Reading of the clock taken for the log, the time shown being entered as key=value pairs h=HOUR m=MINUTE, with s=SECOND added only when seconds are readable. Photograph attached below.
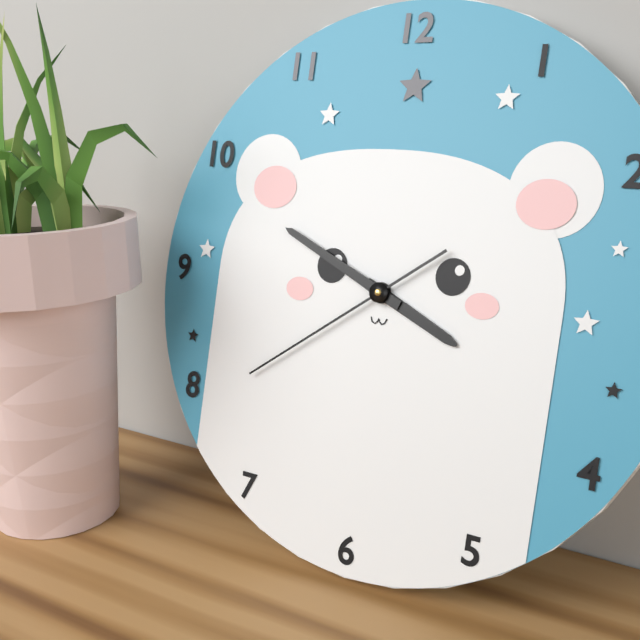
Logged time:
h=3 m=49 s=39
